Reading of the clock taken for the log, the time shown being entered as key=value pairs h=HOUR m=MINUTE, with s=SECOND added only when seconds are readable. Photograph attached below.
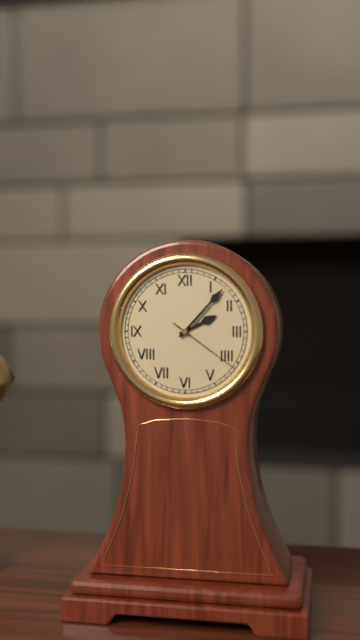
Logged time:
h=2 m=7 s=21
